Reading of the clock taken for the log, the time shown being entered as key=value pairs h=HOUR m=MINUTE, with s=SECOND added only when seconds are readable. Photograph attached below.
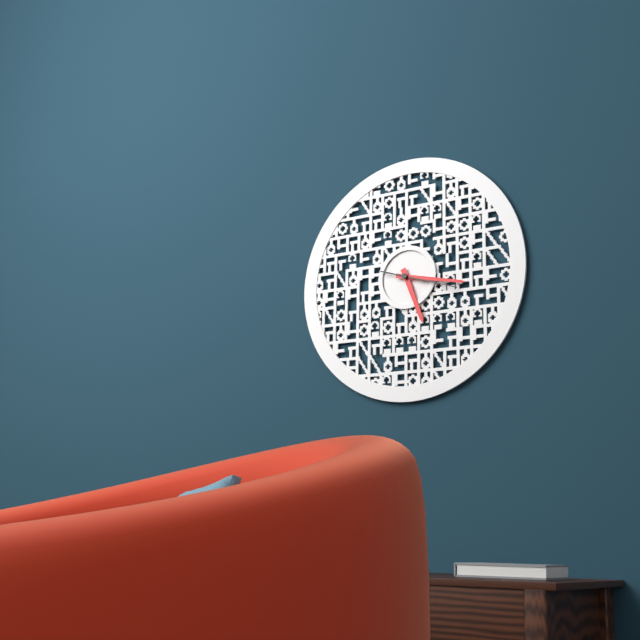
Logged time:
h=5 m=17 s=18
